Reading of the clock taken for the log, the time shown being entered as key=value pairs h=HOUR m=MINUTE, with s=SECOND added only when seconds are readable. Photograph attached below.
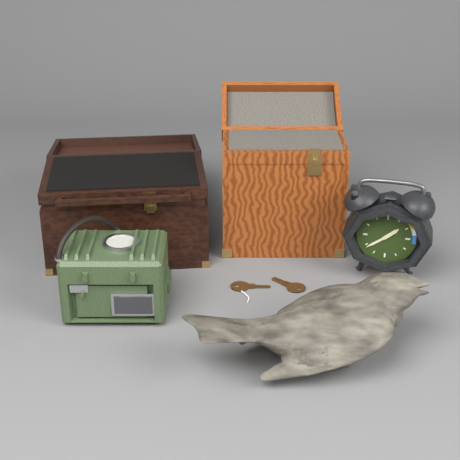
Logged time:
h=1 m=39
